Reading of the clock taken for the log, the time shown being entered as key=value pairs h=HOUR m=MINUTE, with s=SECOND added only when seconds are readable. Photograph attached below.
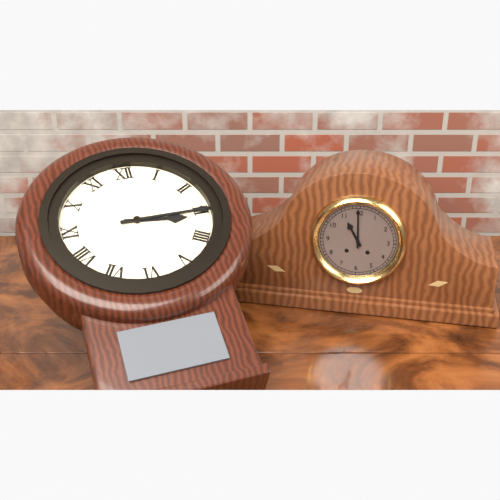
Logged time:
h=3 m=15
